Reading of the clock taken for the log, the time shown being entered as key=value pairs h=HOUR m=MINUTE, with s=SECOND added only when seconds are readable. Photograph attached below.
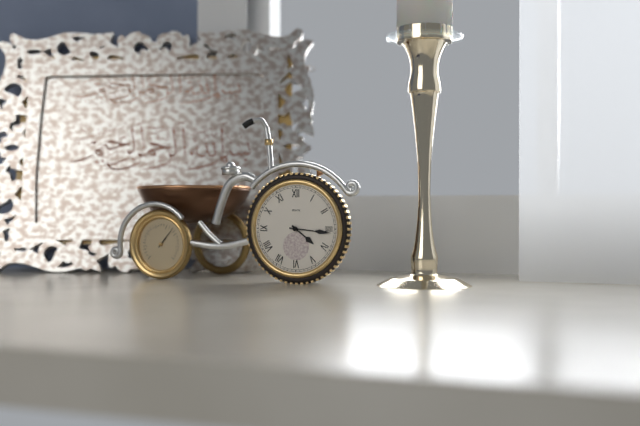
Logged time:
h=4 m=16
